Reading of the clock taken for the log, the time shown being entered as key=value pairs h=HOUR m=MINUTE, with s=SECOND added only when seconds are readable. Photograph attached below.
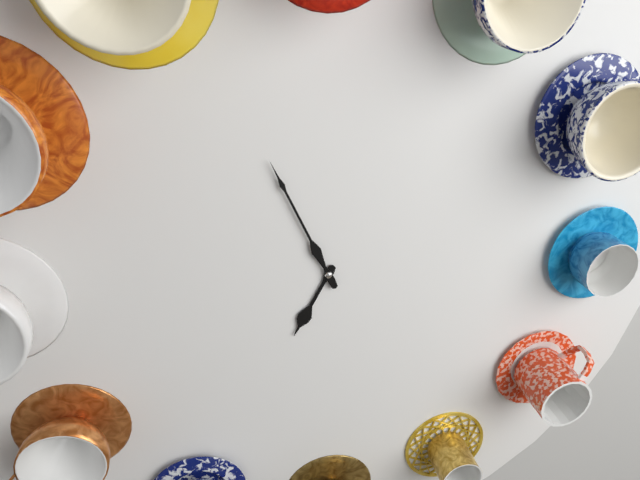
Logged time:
h=6 m=56
